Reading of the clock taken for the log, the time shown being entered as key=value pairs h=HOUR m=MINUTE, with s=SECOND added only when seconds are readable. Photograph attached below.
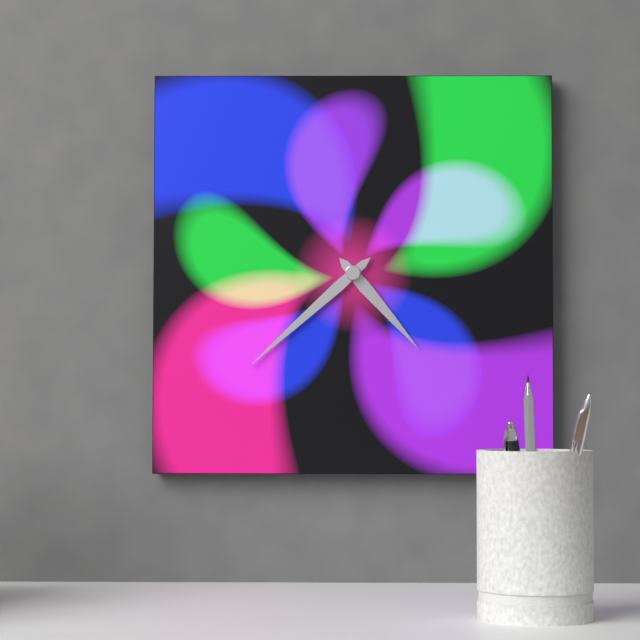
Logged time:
h=4 m=38
